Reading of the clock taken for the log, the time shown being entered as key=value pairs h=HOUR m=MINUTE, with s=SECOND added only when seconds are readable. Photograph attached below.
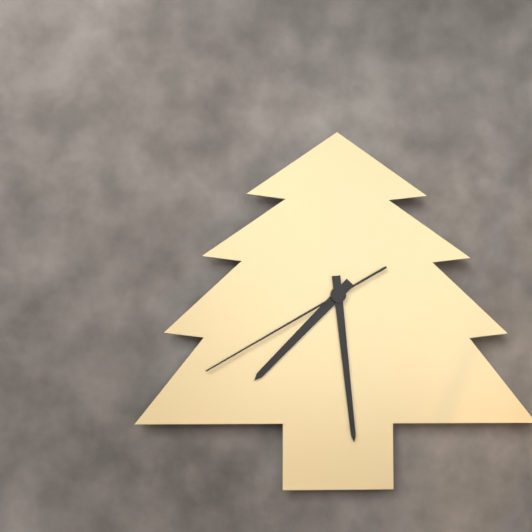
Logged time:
h=7 m=29 s=40
